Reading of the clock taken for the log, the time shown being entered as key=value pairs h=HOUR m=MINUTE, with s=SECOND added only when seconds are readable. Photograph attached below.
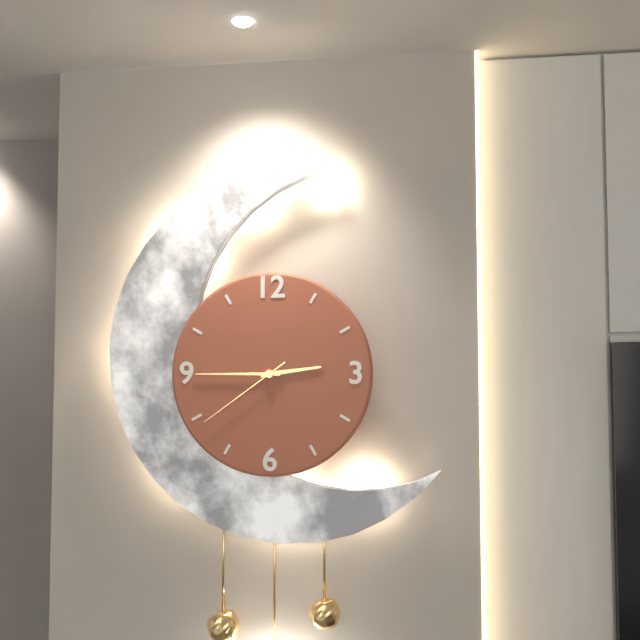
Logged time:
h=2 m=45 s=39
